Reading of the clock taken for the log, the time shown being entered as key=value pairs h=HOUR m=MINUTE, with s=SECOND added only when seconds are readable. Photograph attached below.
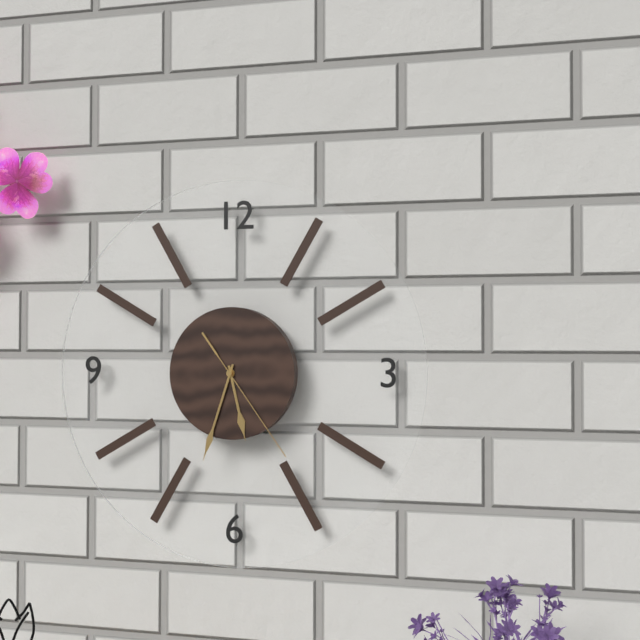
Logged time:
h=5 m=33 s=24
